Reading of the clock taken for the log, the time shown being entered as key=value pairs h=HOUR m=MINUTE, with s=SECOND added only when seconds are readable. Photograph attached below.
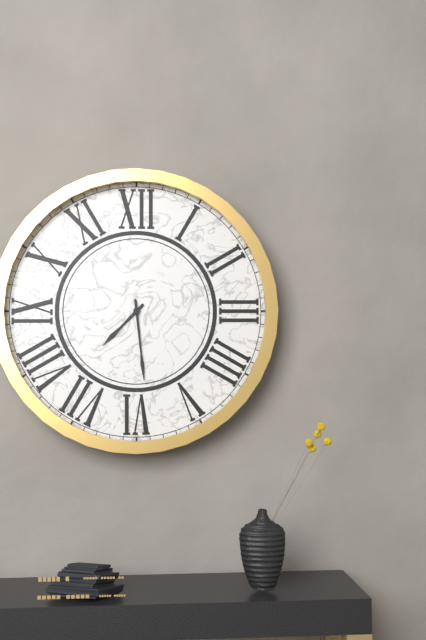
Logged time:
h=7 m=29
